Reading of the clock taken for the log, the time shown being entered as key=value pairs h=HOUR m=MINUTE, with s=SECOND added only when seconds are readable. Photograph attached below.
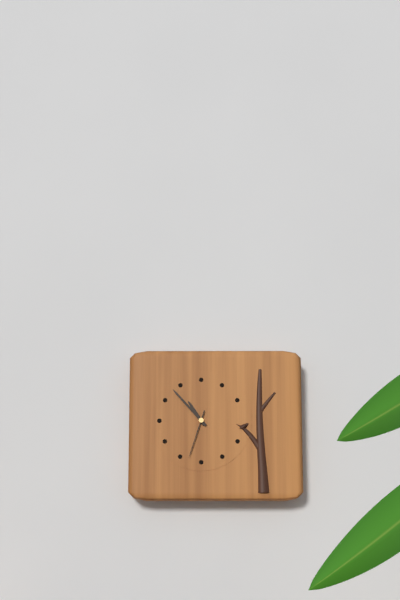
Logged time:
h=10 m=53
